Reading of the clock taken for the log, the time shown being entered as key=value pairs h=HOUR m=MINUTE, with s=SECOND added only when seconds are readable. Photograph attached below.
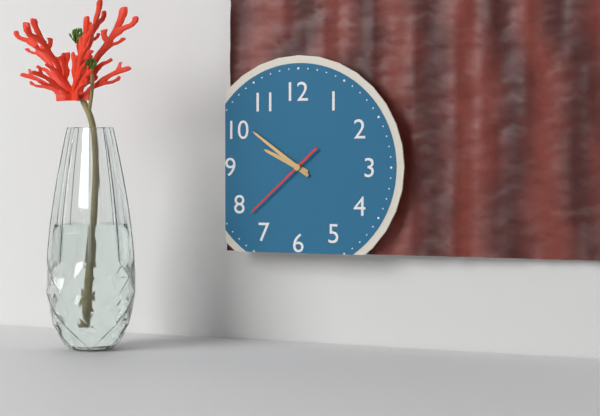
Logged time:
h=9 m=51 s=38
